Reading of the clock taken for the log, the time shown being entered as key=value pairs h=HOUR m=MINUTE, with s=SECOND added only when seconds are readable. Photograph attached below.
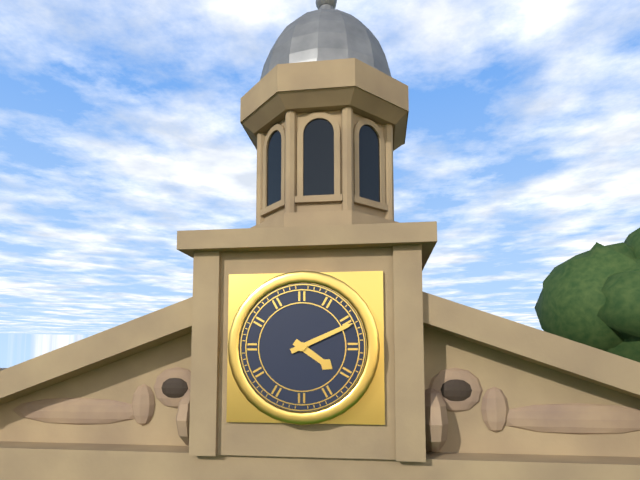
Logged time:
h=4 m=11
